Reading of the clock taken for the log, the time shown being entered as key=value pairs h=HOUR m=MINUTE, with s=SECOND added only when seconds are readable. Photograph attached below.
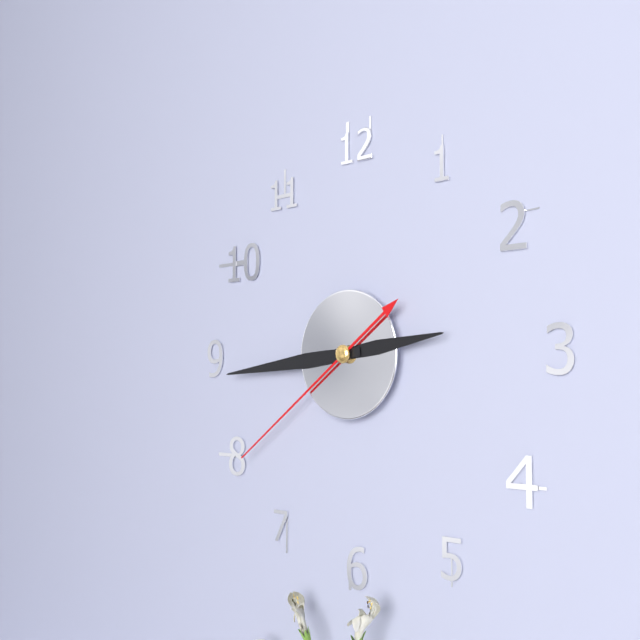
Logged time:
h=2 m=44 s=39
